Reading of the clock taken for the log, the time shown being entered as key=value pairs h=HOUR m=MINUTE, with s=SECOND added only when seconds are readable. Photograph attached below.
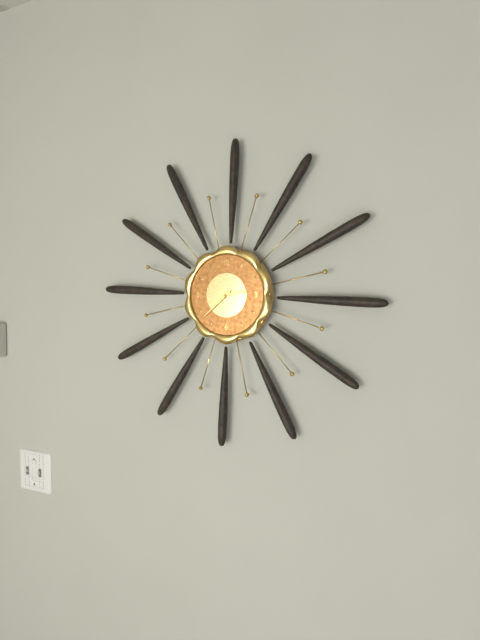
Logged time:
h=2 m=38
